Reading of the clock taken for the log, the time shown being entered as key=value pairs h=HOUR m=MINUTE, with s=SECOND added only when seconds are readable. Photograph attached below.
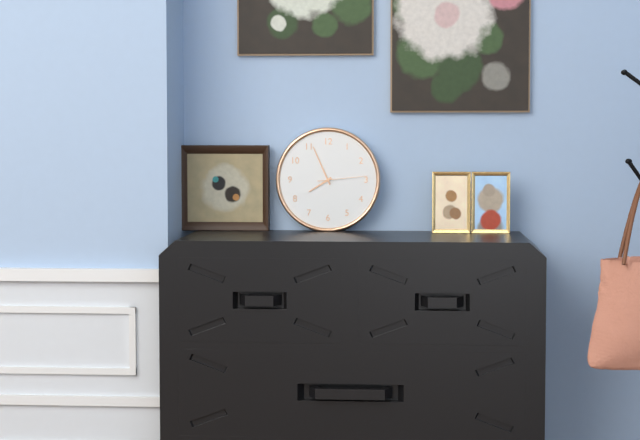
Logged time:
h=7 m=56
